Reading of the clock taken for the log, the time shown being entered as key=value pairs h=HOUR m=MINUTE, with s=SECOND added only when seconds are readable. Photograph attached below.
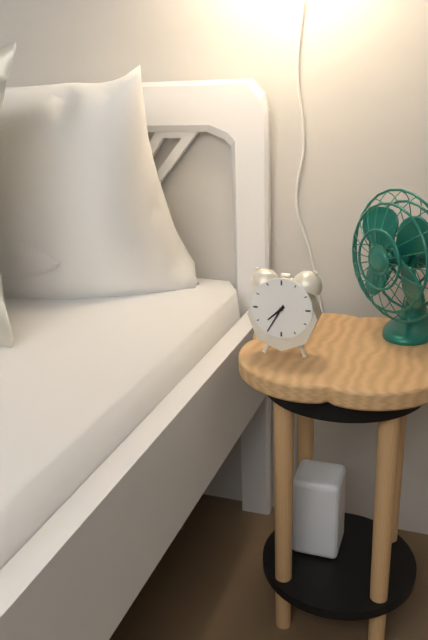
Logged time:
h=7 m=35
